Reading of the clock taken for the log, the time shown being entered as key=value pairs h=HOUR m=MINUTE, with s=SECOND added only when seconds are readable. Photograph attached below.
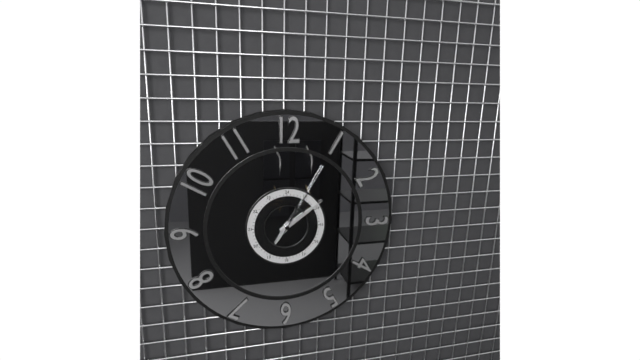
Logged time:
h=7 m=9 s=5
